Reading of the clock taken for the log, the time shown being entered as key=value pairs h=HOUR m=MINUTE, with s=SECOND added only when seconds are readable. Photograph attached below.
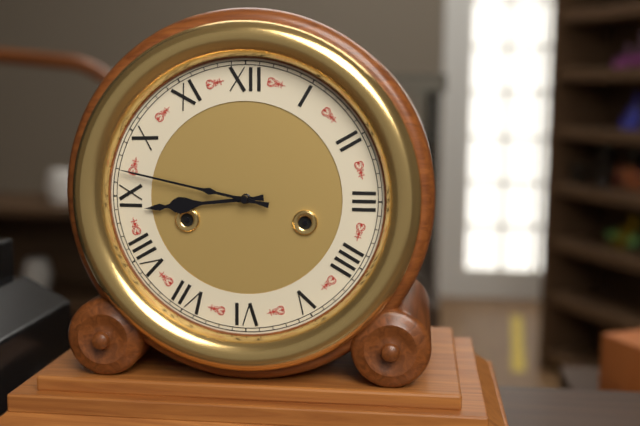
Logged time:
h=8 m=47
